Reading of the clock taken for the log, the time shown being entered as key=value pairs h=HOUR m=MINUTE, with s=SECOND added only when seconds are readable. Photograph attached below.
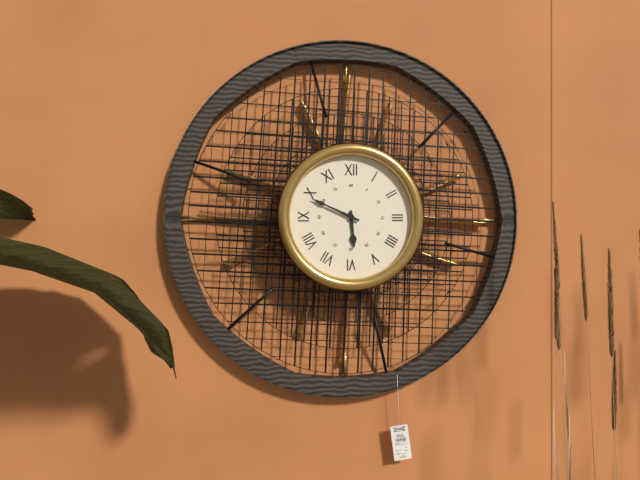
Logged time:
h=5 m=49
